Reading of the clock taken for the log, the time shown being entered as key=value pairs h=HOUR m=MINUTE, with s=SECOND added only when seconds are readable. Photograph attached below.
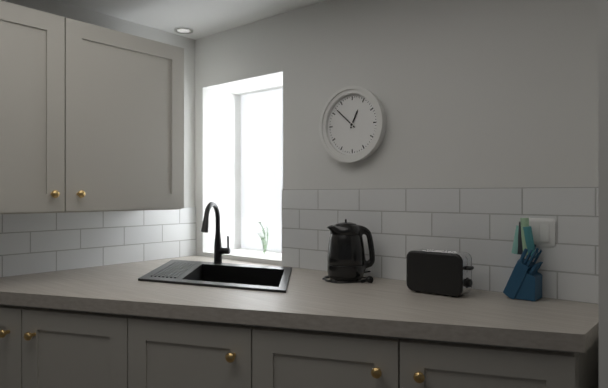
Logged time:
h=12 m=52
